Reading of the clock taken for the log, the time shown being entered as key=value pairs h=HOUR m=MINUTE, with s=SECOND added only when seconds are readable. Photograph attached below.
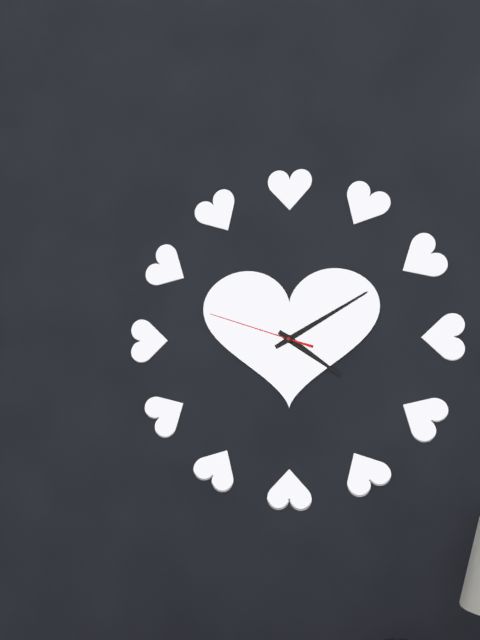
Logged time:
h=4 m=10 s=48
